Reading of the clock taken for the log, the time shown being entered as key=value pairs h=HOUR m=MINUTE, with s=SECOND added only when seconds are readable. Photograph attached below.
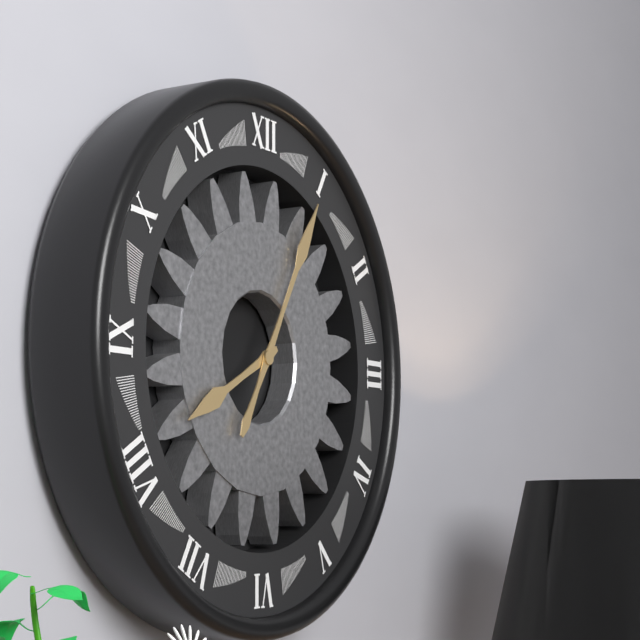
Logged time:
h=8 m=5
